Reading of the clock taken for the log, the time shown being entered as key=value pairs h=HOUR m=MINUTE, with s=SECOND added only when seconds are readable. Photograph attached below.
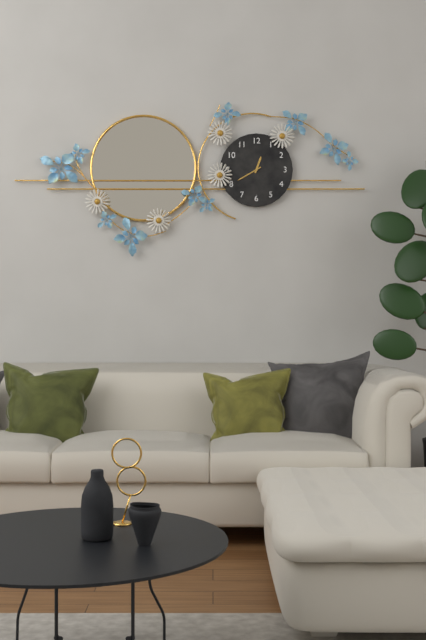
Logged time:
h=12 m=40
